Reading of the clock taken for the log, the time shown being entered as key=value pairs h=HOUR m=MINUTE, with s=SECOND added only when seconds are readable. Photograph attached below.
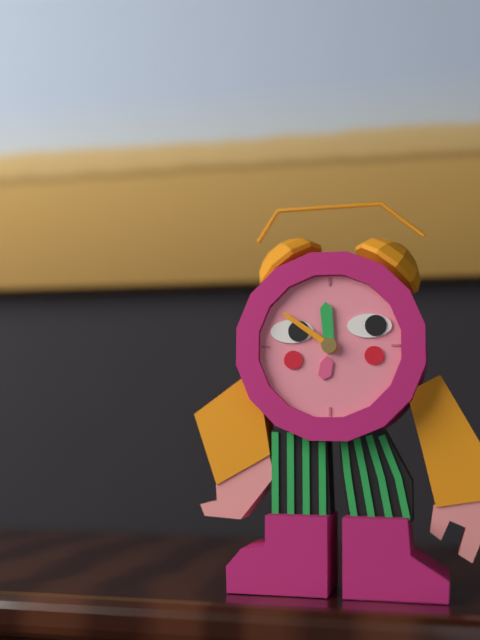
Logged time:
h=11 m=51
